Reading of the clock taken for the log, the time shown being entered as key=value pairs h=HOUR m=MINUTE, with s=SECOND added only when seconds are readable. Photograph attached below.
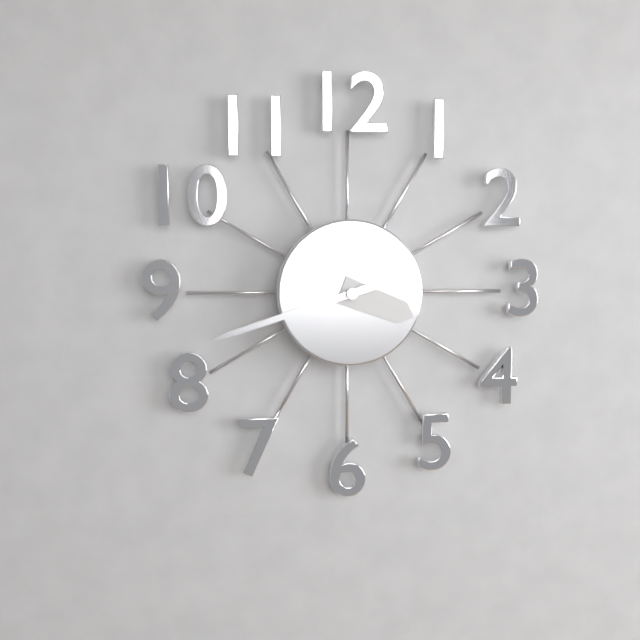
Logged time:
h=3 m=42
